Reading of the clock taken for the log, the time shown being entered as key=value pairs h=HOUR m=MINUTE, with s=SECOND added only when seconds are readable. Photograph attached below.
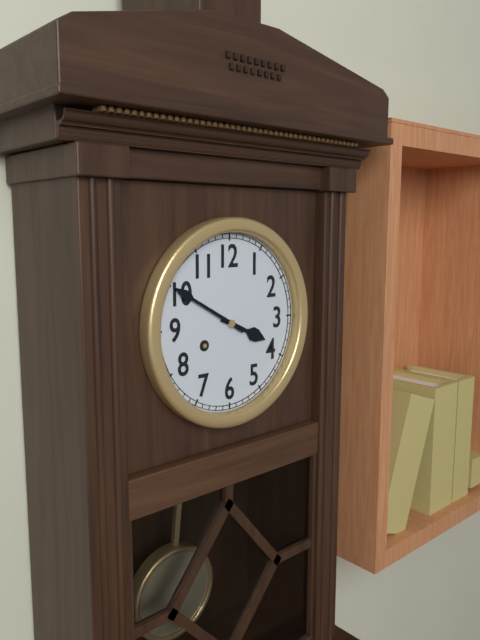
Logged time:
h=3 m=50
